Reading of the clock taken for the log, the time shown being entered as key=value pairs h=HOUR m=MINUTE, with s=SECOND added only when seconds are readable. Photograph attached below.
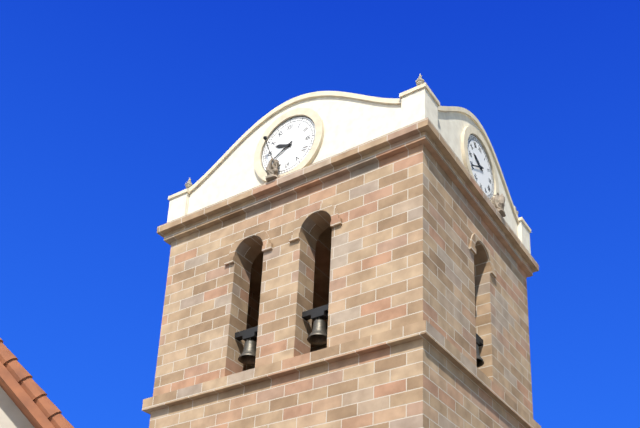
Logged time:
h=9 m=40
